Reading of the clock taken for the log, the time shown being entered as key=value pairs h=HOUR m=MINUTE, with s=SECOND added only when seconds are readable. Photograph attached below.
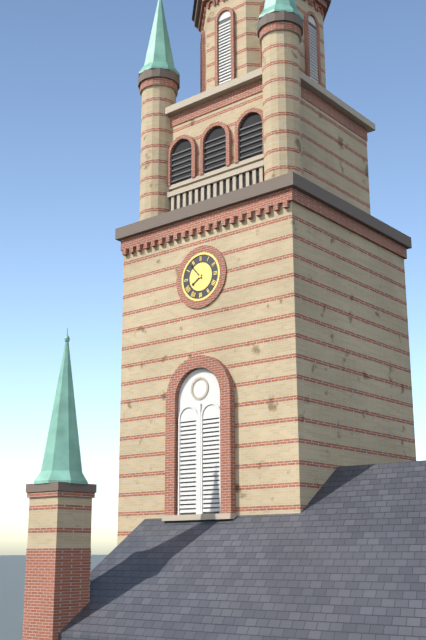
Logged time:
h=7 m=53
